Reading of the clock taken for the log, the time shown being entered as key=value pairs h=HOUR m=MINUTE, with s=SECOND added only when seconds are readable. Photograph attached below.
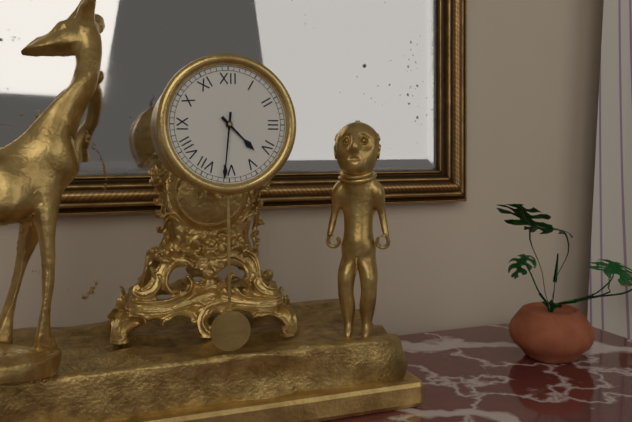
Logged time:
h=4 m=31
